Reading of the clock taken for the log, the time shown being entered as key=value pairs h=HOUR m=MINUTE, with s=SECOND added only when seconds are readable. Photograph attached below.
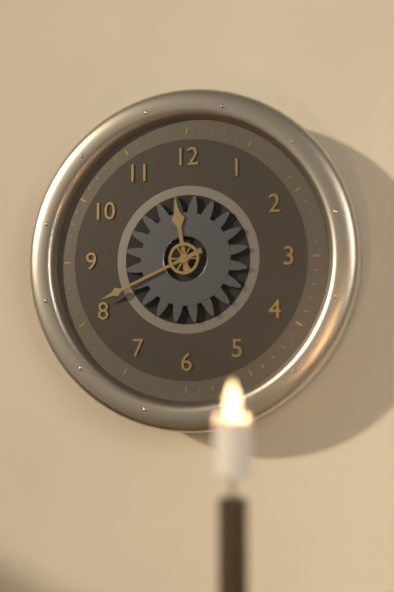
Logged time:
h=11 m=41
